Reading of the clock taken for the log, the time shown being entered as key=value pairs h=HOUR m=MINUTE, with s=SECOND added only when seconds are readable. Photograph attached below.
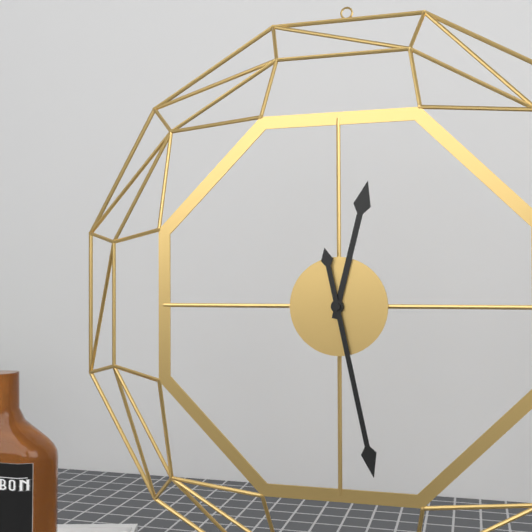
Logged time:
h=12 m=28
